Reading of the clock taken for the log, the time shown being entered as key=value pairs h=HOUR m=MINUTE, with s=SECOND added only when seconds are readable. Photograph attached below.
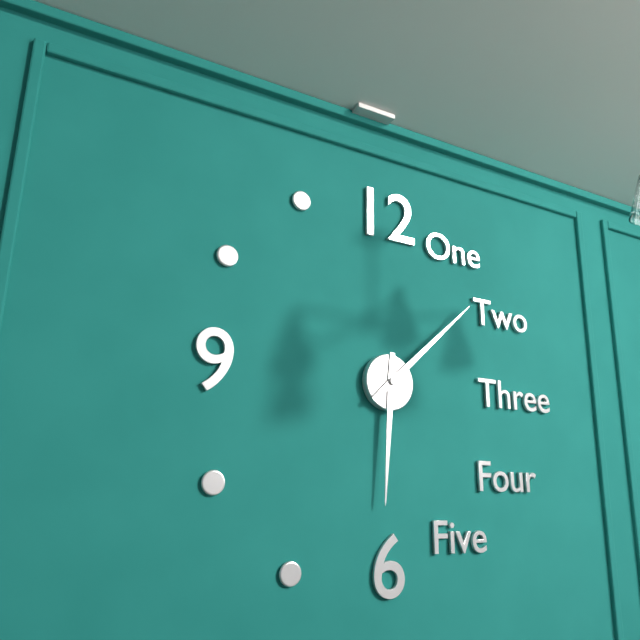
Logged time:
h=6 m=8
